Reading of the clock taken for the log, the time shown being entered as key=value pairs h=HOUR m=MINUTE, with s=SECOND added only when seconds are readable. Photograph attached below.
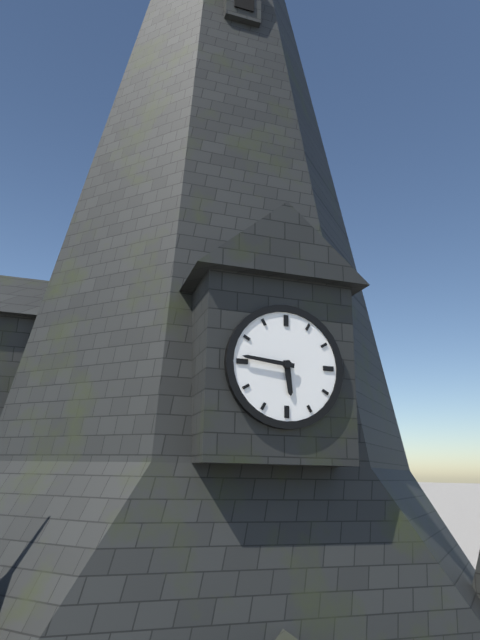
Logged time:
h=5 m=46
